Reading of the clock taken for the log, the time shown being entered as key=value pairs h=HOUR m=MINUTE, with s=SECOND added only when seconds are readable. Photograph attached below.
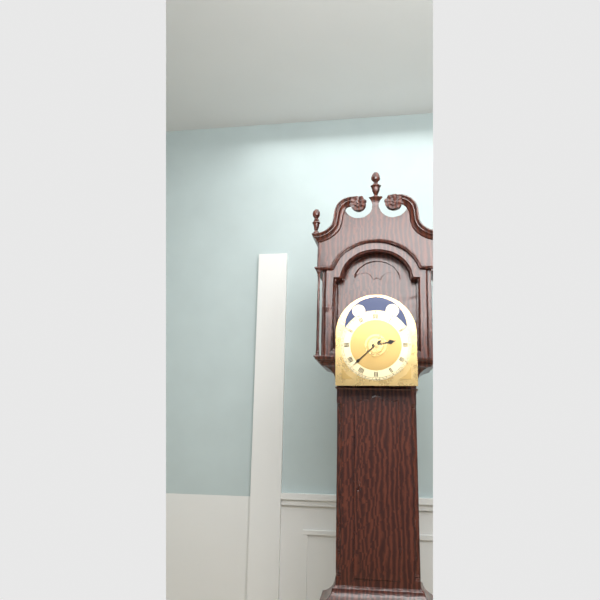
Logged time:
h=2 m=38
